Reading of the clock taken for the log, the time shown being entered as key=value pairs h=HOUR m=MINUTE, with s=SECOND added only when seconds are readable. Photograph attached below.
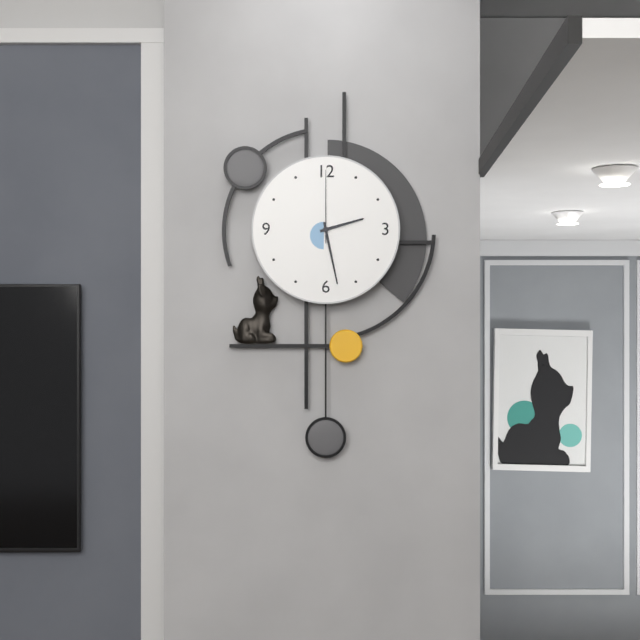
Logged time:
h=2 m=28 s=0
